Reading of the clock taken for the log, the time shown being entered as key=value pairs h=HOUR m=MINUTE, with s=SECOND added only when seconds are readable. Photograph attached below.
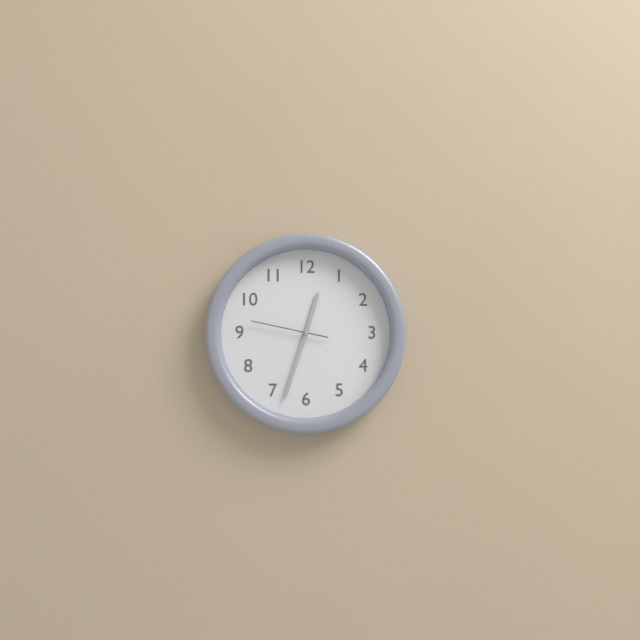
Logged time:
h=12 m=33 s=47
